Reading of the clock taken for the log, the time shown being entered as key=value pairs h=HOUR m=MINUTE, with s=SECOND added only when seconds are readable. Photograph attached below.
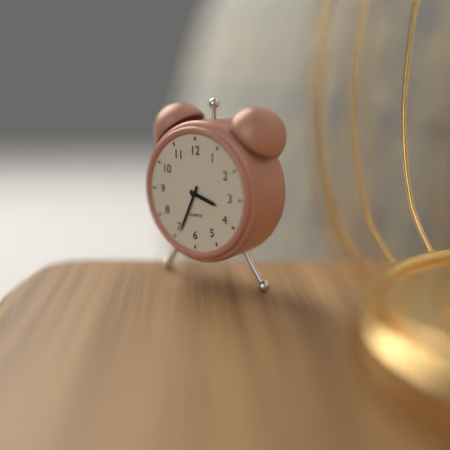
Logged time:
h=3 m=34
